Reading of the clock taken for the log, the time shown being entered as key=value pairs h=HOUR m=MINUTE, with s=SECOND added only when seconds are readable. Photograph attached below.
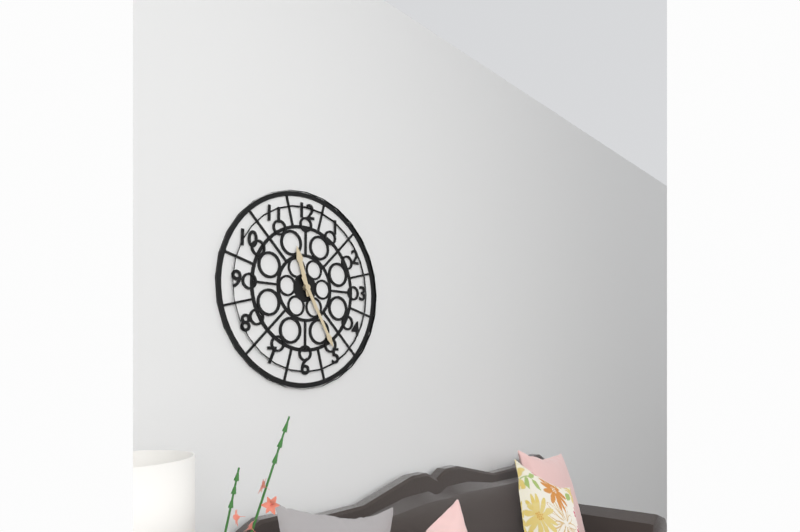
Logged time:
h=11 m=25
